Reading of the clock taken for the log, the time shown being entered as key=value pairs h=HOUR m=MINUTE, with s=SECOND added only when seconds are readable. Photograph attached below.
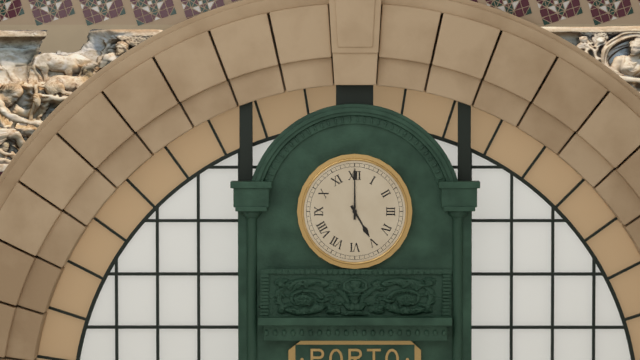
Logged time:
h=5 m=0
